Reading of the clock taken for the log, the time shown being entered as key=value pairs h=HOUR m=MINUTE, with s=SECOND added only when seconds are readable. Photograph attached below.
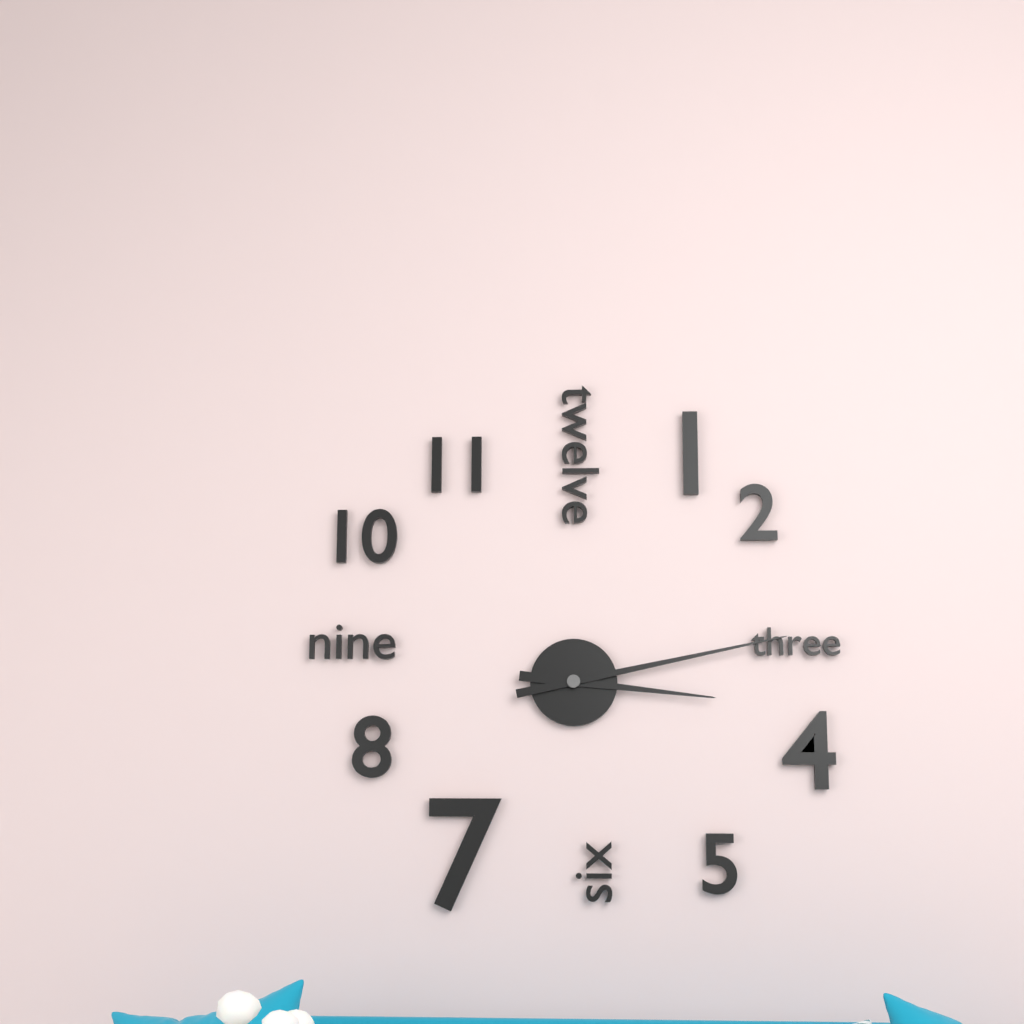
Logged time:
h=3 m=13
